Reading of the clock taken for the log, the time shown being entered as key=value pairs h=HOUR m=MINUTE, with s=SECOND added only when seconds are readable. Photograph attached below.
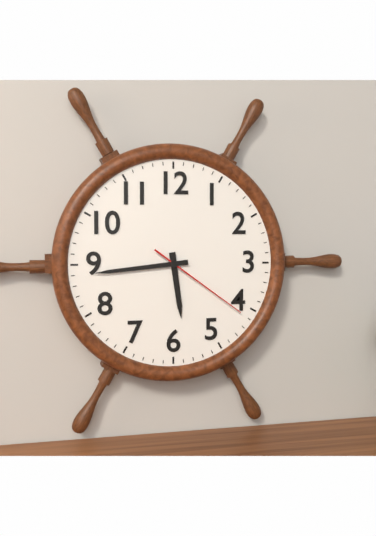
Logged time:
h=5 m=44 s=21
